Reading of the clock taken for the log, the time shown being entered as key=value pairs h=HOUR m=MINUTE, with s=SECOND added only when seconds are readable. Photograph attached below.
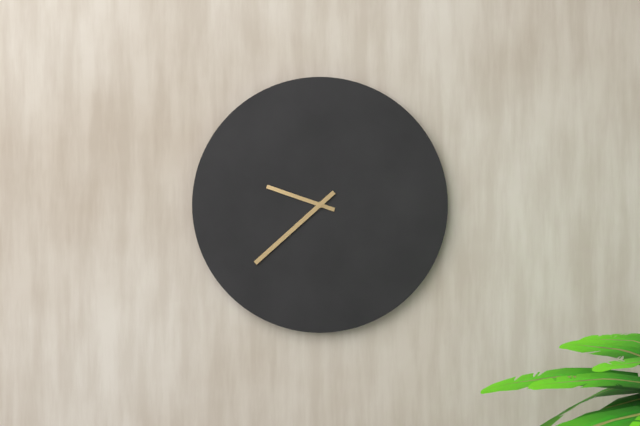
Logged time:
h=9 m=38
